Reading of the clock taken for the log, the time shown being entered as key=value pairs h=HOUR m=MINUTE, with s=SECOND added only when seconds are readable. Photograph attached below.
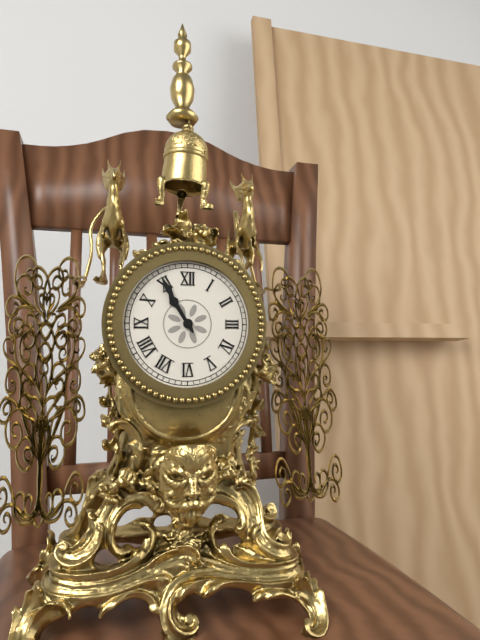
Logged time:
h=10 m=55
